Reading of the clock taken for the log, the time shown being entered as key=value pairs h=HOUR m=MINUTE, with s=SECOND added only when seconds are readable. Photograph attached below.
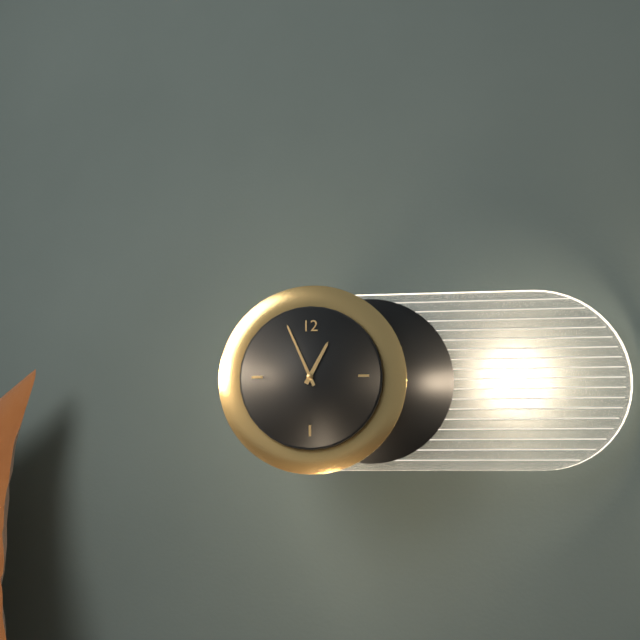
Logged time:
h=12 m=56
